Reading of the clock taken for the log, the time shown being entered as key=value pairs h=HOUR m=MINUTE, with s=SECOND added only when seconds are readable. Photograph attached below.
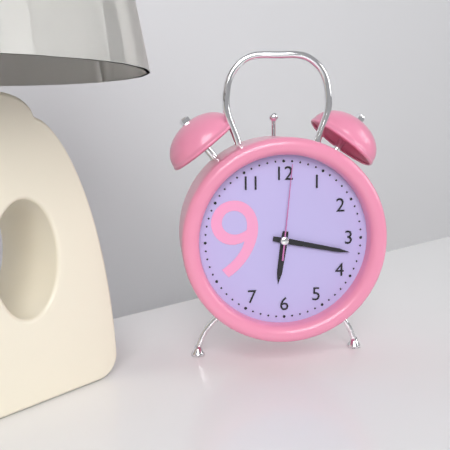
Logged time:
h=6 m=17 s=1
